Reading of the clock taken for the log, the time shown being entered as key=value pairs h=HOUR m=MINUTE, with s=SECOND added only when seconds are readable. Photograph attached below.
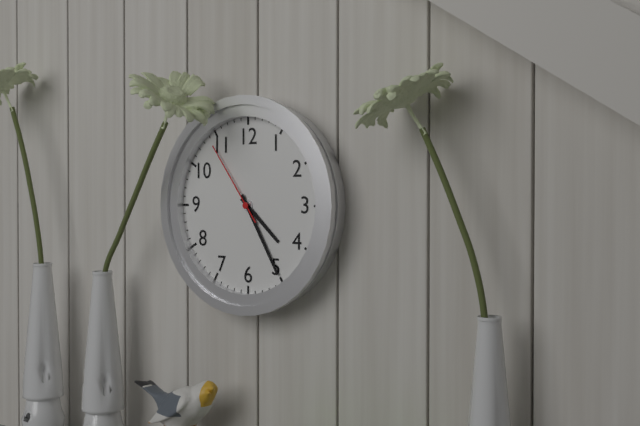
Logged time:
h=4 m=25 s=54
